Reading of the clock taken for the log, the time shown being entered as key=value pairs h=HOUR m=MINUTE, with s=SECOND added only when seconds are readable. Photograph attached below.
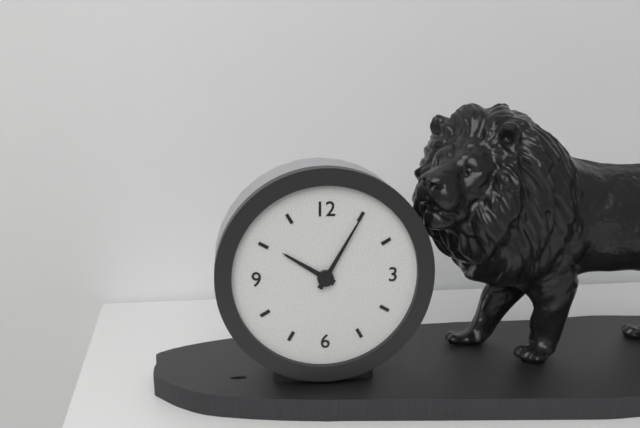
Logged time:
h=10 m=5
